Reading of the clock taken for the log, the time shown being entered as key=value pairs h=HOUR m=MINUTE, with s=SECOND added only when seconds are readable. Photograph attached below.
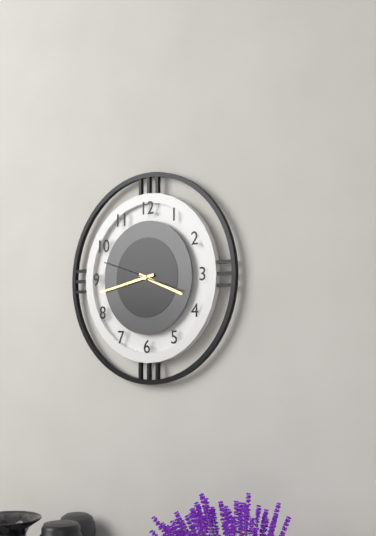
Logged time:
h=3 m=43 s=48
